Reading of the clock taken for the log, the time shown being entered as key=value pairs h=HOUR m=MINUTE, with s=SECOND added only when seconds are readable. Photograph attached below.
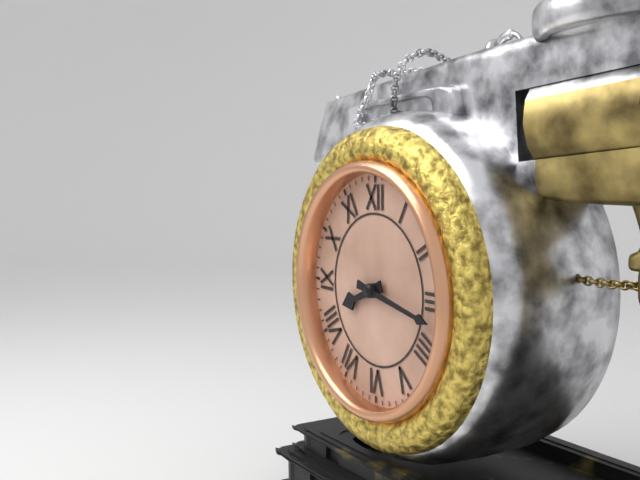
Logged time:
h=8 m=17
